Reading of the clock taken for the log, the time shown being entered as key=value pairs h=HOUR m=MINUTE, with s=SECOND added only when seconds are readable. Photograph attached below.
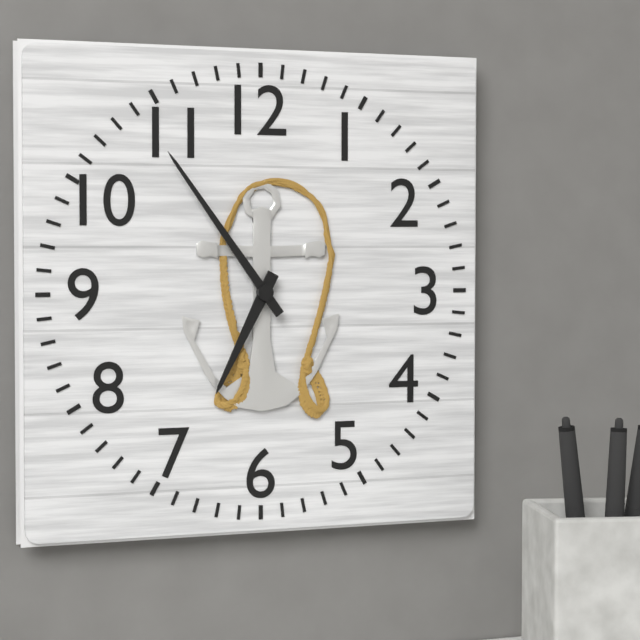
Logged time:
h=6 m=54
